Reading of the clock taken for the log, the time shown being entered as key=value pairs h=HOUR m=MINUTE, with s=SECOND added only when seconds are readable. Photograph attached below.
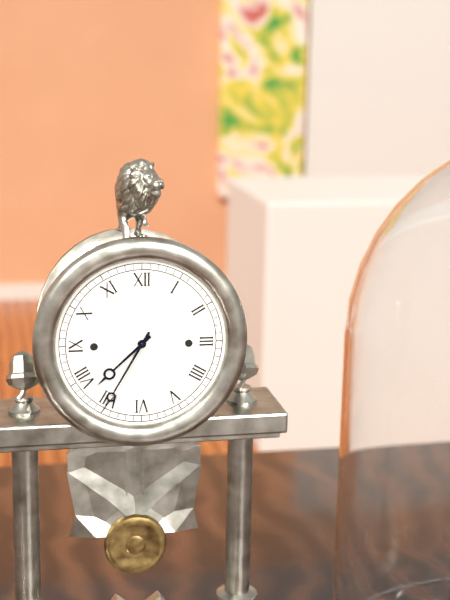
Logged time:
h=7 m=35
